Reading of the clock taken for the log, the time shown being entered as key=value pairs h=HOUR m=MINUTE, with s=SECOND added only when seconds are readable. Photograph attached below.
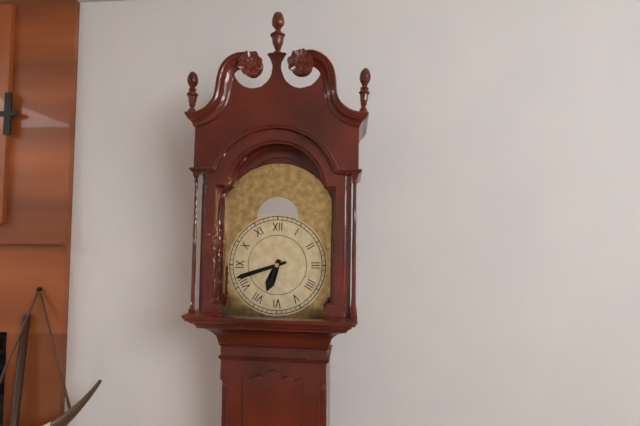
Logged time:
h=6 m=42
